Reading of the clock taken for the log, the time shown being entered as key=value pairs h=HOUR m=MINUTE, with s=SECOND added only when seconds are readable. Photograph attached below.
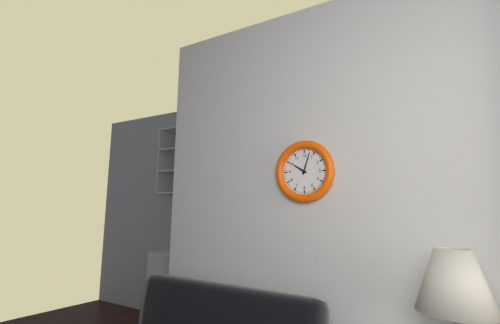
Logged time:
h=10 m=3
